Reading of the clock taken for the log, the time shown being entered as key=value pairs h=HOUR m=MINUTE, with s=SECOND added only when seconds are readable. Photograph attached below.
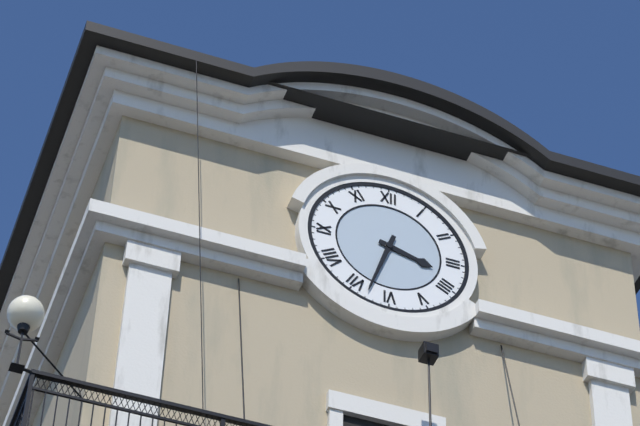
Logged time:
h=3 m=33
